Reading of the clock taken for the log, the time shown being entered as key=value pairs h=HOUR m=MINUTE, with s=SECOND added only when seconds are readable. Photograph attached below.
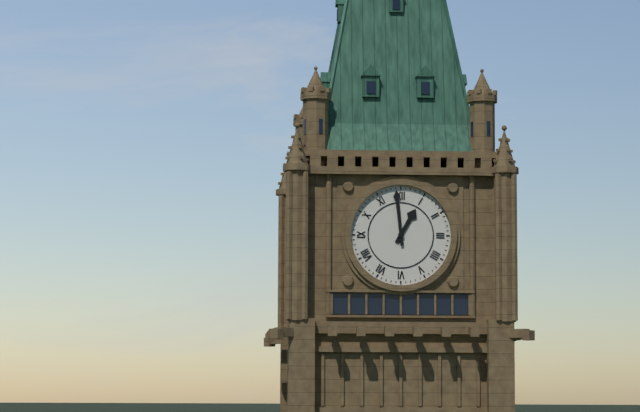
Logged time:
h=12 m=59
